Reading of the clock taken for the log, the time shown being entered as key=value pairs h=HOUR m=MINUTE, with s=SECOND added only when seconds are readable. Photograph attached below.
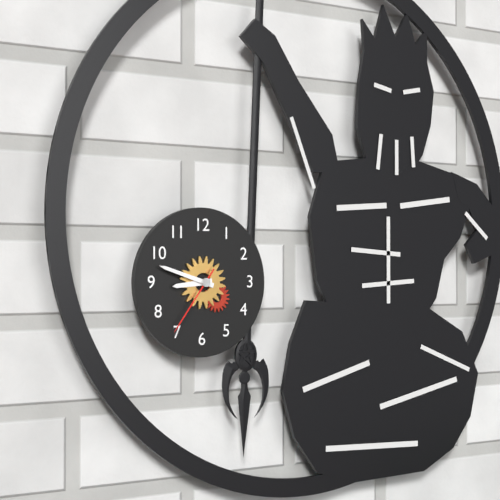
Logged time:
h=8 m=48 s=36
